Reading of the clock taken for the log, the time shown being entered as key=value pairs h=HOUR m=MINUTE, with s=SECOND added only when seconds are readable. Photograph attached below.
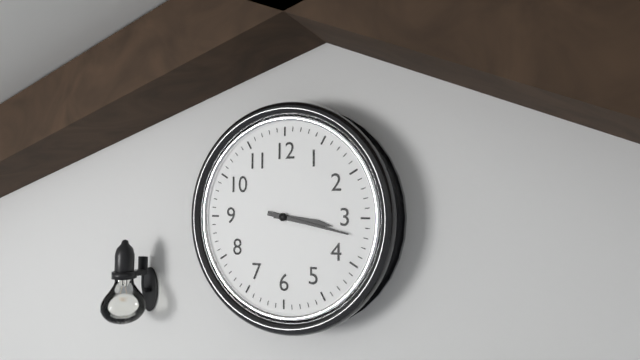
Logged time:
h=3 m=17
